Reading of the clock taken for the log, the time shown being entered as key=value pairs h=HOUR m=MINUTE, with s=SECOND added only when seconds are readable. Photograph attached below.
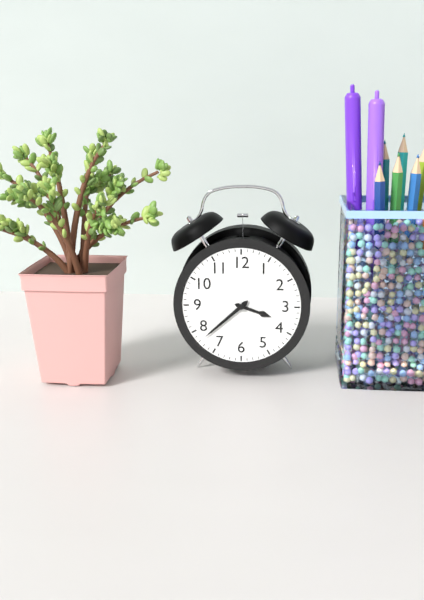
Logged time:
h=3 m=38
